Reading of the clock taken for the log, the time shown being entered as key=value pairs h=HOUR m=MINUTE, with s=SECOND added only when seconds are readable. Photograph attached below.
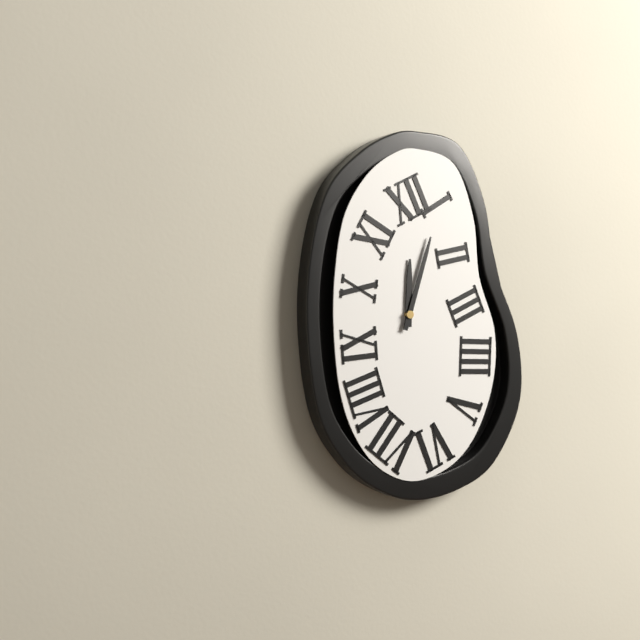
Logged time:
h=12 m=3
